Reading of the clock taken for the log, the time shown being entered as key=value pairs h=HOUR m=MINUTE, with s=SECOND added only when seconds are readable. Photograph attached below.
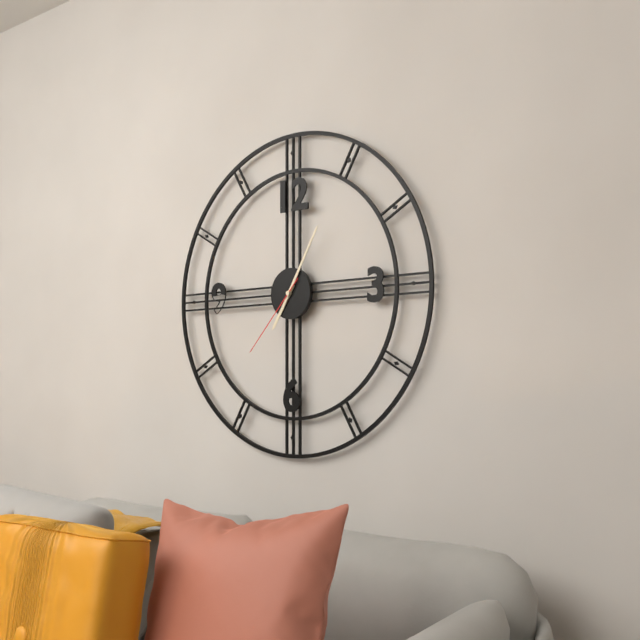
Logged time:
h=7 m=5 s=37
